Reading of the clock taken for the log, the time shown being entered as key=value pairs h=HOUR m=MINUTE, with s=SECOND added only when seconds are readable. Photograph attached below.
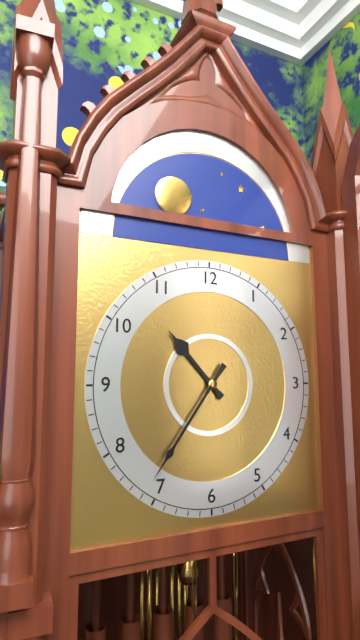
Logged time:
h=10 m=36
